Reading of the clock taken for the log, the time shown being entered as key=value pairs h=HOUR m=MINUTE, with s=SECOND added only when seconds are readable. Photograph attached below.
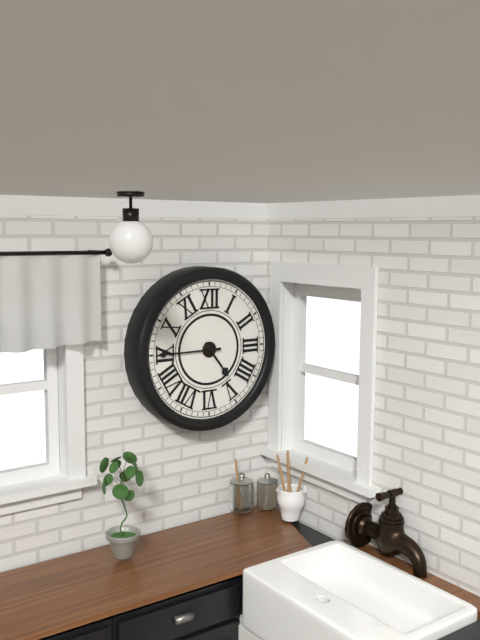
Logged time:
h=4 m=45
